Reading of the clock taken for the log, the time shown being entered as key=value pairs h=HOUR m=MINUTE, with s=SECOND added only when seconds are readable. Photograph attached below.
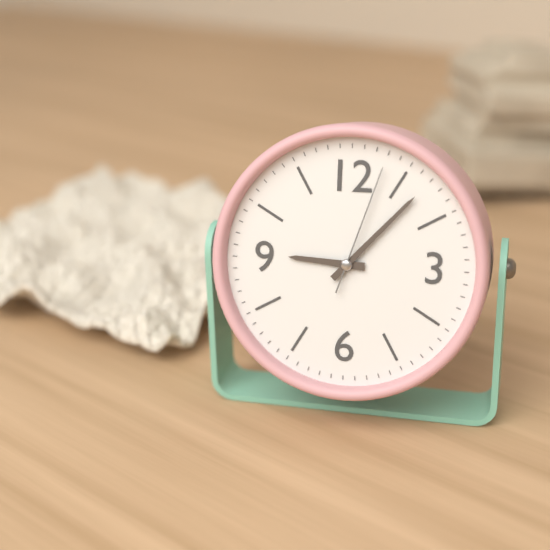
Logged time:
h=9 m=7 s=3
